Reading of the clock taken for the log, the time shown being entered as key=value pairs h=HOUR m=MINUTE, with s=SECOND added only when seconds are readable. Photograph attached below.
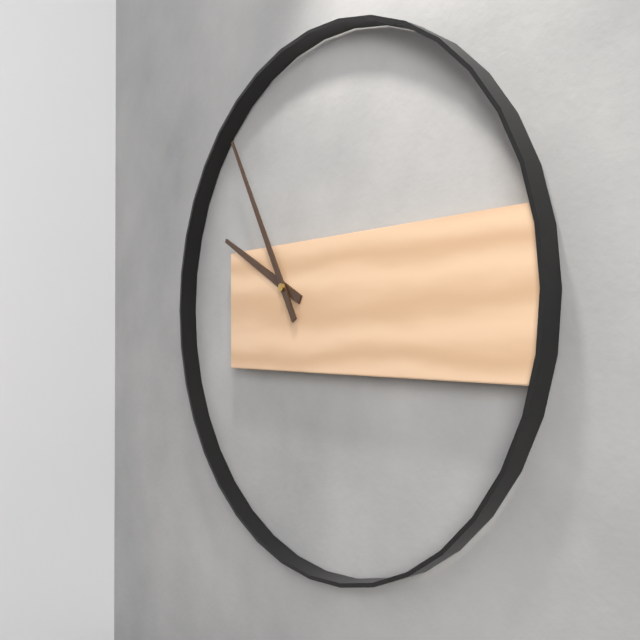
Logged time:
h=9 m=55
